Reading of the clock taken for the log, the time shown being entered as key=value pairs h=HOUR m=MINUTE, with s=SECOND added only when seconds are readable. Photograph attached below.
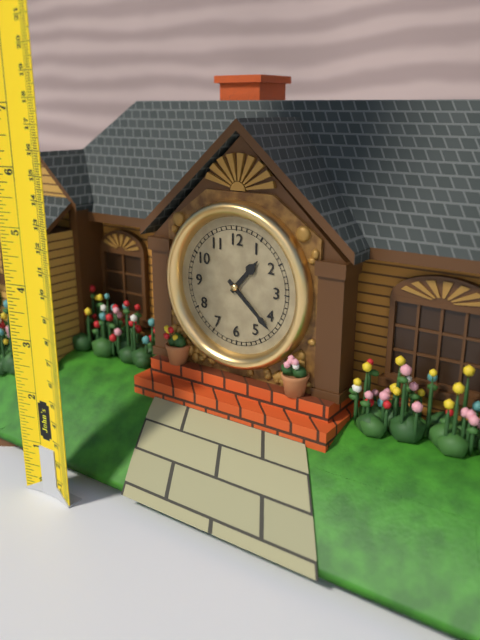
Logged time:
h=1 m=22
